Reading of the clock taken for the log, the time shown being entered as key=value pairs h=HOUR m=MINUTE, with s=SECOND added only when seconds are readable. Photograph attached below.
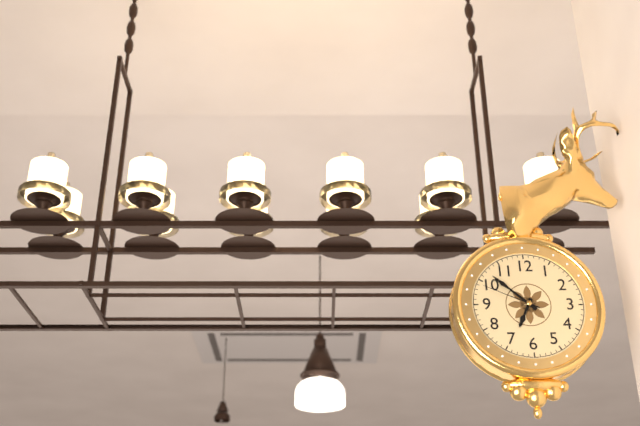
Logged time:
h=6 m=52 s=49
